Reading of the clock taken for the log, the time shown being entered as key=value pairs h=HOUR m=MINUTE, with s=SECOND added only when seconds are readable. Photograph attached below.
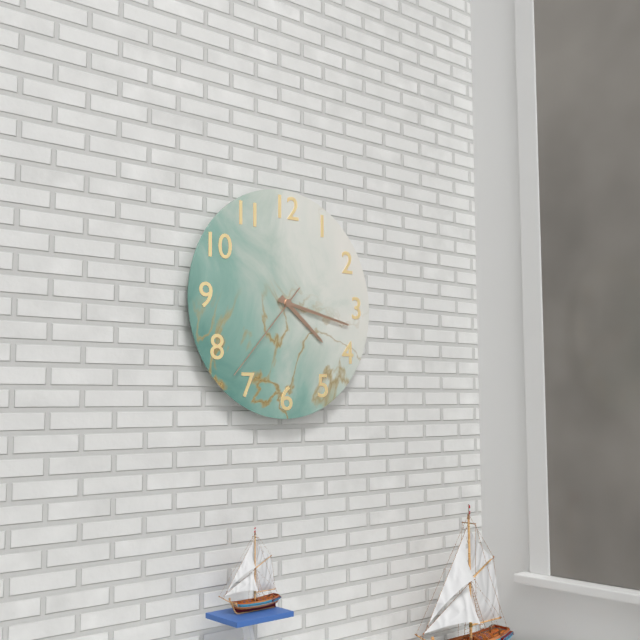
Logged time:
h=4 m=17 s=37
